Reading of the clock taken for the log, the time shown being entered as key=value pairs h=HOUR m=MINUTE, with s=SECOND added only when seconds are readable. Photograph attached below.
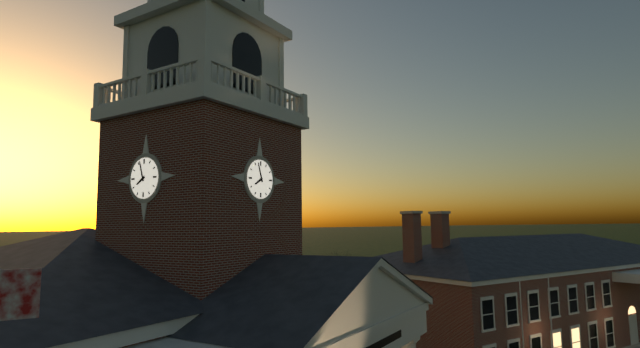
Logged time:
h=7 m=57
